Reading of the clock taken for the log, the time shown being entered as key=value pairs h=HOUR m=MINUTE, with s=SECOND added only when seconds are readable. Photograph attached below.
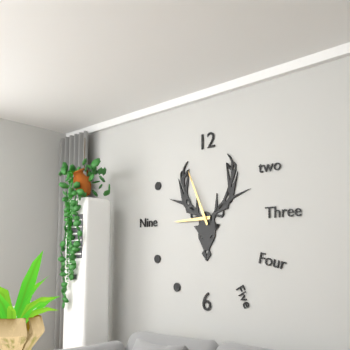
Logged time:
h=8 m=56
